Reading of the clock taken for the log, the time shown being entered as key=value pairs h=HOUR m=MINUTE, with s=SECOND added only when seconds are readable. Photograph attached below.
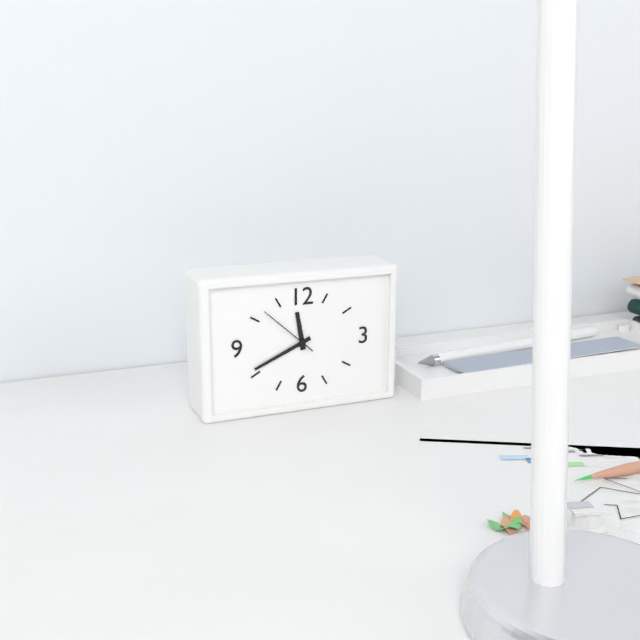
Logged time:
h=11 m=41 s=52
